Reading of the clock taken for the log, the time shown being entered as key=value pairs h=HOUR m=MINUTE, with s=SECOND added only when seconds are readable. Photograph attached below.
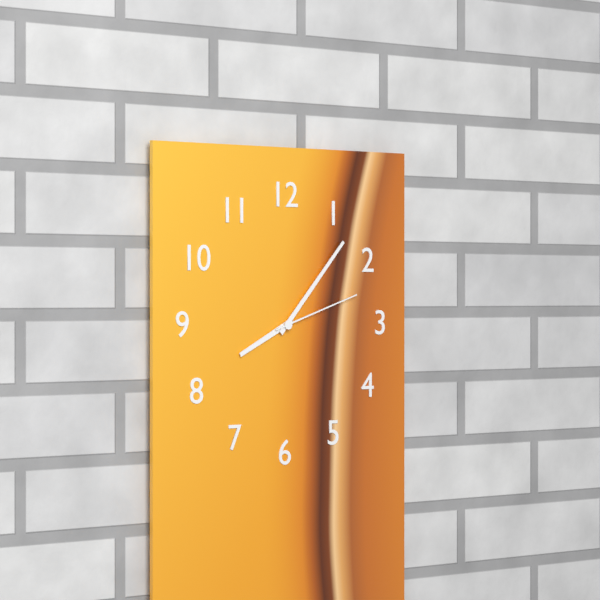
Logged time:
h=8 m=7 s=12
